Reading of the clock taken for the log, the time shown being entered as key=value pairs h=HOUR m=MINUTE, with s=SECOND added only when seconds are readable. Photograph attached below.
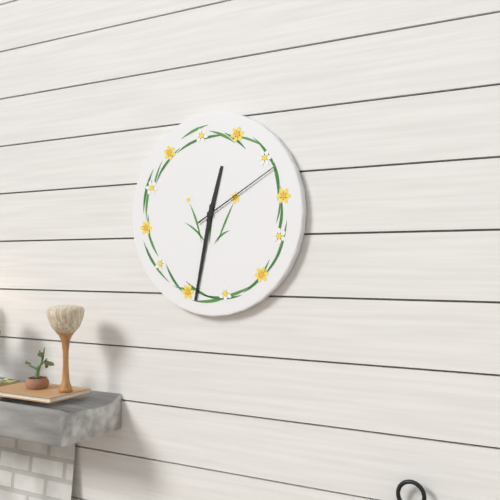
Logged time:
h=12 m=32 s=10
